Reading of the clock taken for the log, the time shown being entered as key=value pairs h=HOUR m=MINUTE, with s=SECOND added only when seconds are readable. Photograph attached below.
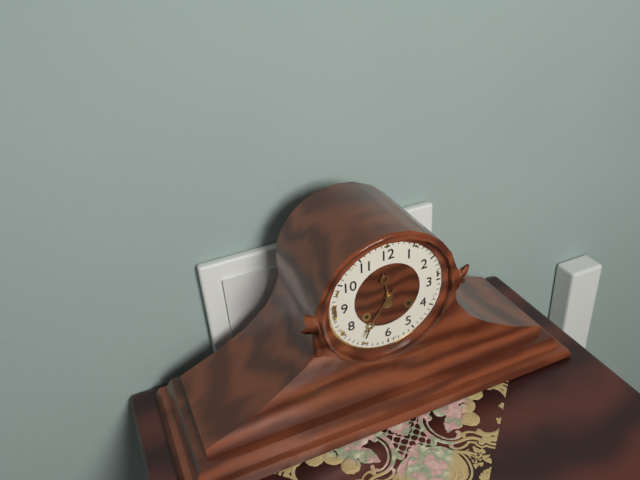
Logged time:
h=11 m=36
